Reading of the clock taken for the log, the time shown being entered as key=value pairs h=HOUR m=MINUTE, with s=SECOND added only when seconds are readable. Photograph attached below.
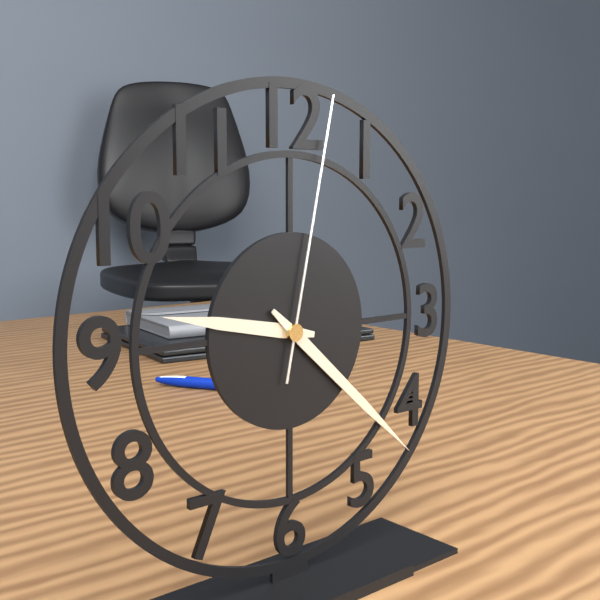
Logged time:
h=9 m=22 s=2
